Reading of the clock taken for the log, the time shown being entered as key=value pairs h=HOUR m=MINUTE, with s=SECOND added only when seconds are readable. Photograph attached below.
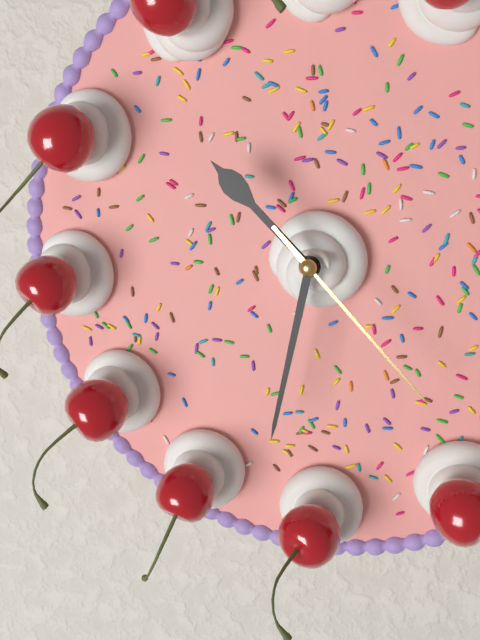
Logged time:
h=10 m=32 s=23
